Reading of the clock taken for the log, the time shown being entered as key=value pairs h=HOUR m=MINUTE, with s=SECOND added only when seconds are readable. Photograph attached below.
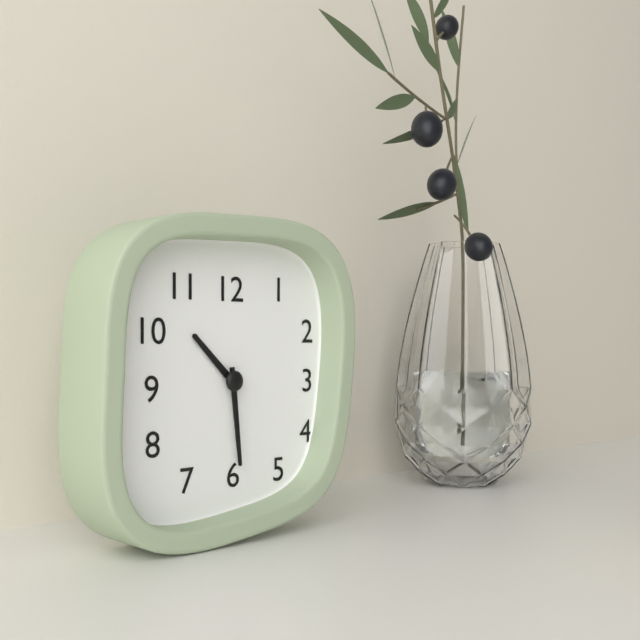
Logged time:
h=10 m=29
